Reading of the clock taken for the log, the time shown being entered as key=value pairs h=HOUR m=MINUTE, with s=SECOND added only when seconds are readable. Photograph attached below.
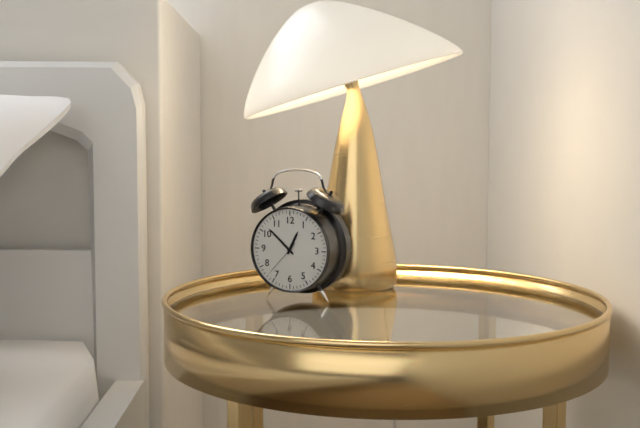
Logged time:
h=12 m=52
